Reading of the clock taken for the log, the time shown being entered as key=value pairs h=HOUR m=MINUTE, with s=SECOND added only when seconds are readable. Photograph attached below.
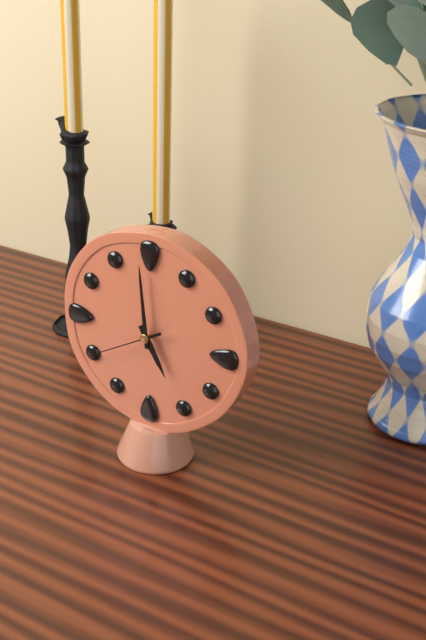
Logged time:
h=4 m=59 s=40
